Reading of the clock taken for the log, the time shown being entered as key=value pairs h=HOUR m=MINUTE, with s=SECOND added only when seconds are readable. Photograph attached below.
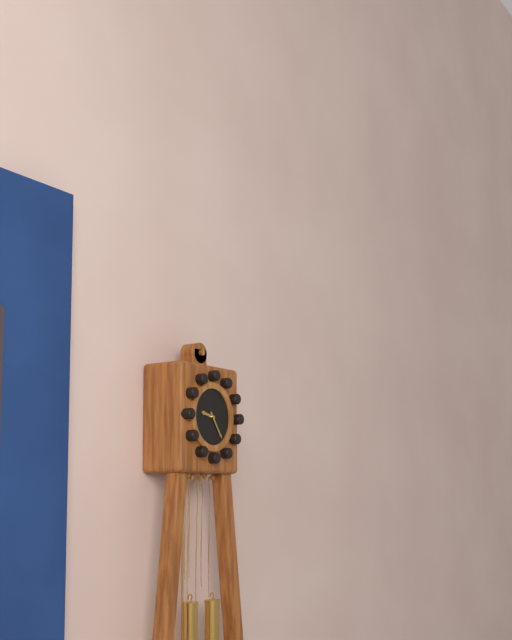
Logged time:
h=9 m=24
